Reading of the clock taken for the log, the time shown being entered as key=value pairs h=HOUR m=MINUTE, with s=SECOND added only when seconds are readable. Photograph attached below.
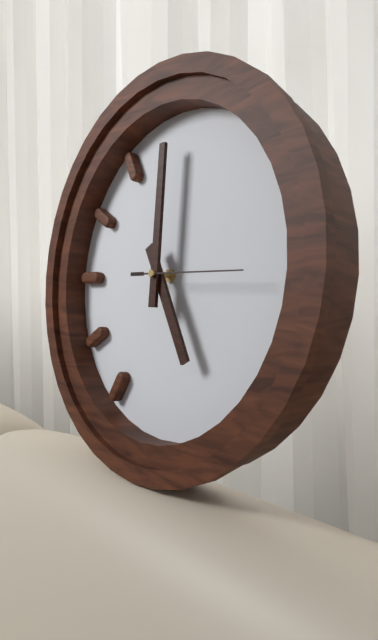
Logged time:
h=5 m=0 s=15
